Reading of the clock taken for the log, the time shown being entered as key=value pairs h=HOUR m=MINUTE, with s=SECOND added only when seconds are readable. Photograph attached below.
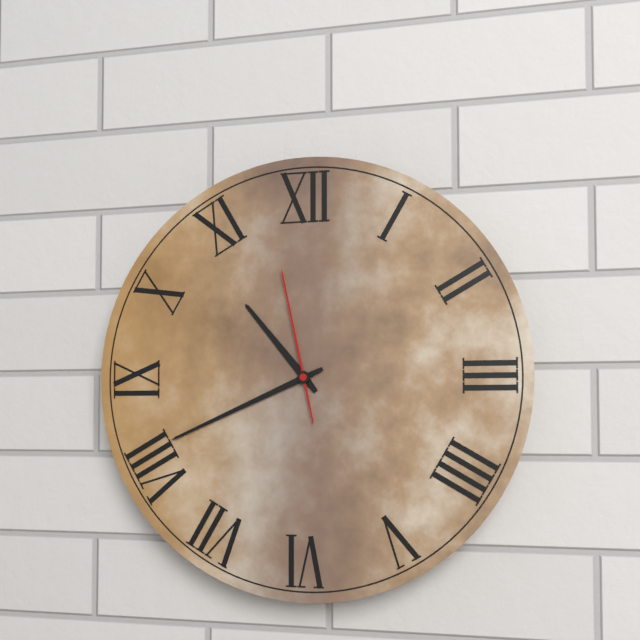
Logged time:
h=10 m=41 s=58
